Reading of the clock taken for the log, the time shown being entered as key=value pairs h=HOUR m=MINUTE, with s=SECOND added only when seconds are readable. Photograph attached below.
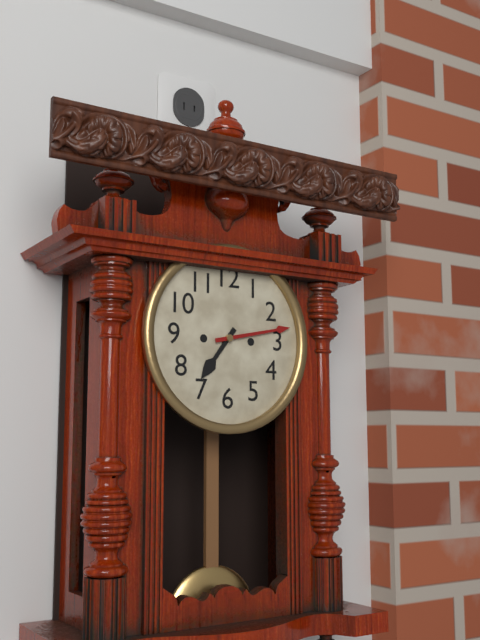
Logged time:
h=7 m=13
